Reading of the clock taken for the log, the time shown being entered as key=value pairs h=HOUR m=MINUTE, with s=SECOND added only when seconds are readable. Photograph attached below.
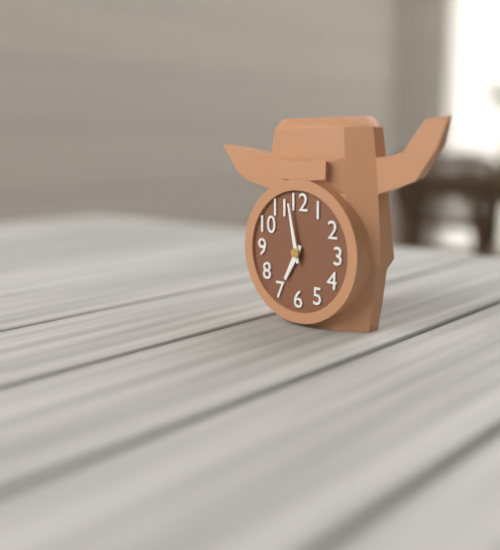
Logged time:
h=6 m=58
